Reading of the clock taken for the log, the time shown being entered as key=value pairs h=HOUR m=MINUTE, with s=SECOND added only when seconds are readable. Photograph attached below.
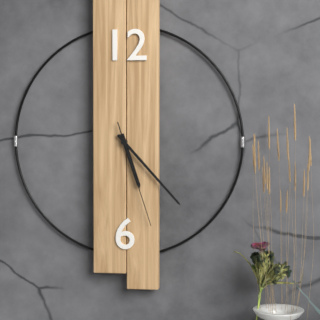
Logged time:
h=5 m=23 s=27
